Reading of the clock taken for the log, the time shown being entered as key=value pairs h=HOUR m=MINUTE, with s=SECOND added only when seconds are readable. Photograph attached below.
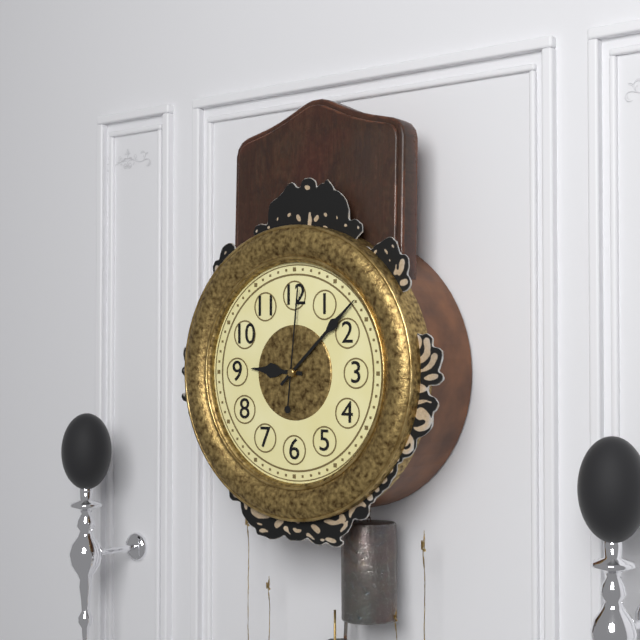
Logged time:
h=9 m=8 s=1
